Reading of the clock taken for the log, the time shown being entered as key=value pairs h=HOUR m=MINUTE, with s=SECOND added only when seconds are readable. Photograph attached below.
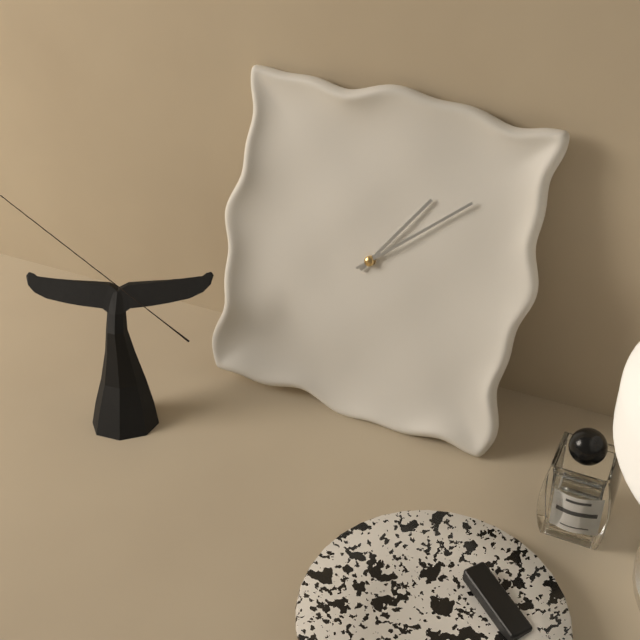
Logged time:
h=1 m=8
